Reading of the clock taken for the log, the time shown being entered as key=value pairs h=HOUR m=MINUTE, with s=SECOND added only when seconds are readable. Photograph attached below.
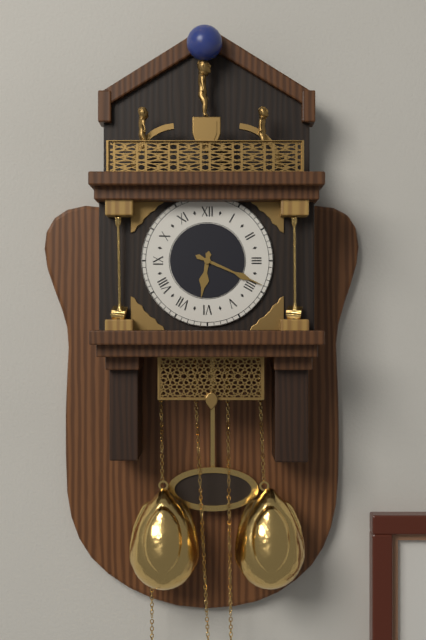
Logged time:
h=6 m=19
